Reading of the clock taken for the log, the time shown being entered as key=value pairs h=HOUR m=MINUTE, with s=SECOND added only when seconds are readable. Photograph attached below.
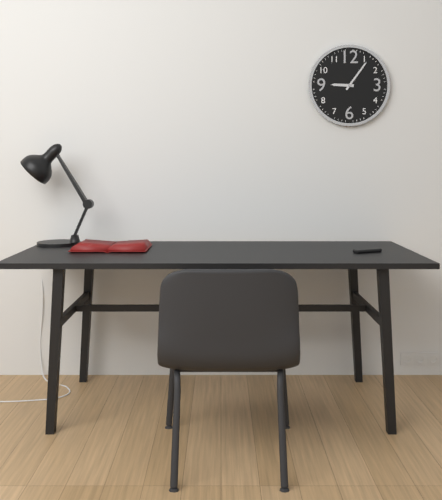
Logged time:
h=9 m=6
